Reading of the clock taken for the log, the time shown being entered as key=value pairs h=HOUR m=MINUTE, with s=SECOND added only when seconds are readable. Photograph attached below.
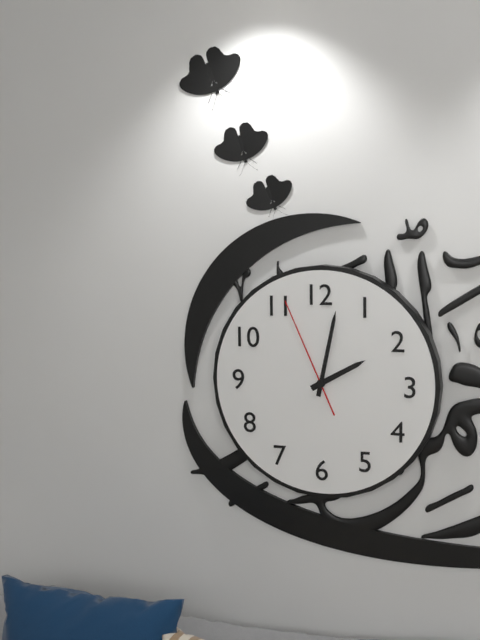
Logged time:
h=2 m=2 s=56
